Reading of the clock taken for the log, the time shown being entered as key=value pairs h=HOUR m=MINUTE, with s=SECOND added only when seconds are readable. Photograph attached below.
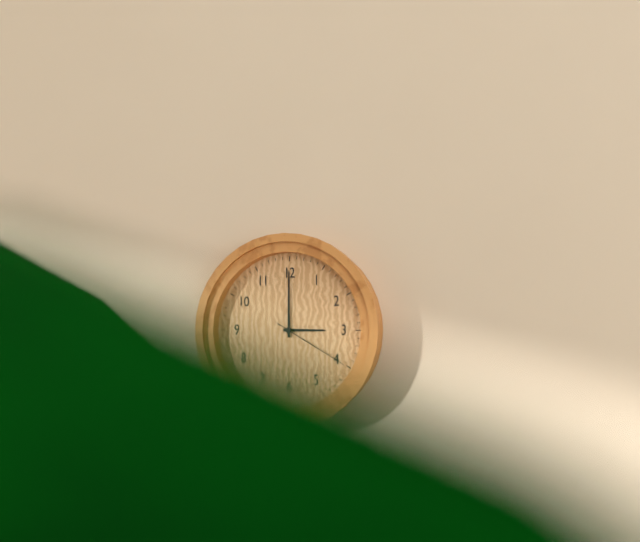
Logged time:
h=3 m=0 s=20
